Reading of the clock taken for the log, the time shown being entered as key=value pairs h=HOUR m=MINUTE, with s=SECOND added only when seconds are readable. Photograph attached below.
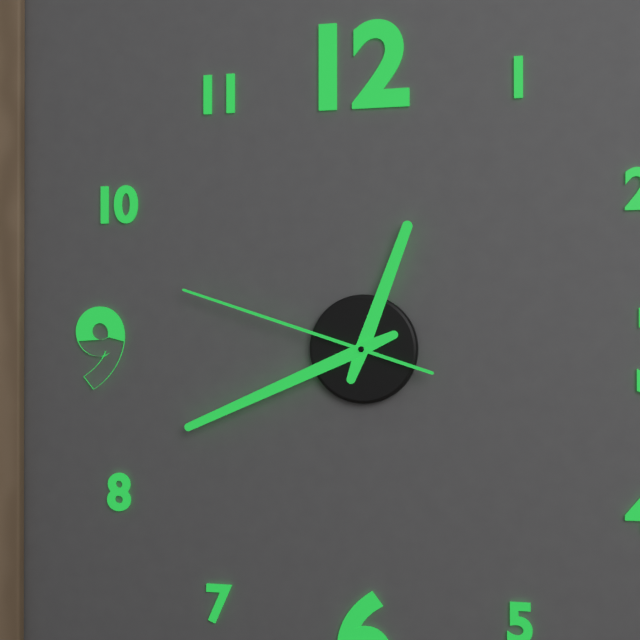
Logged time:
h=12 m=41 s=48
